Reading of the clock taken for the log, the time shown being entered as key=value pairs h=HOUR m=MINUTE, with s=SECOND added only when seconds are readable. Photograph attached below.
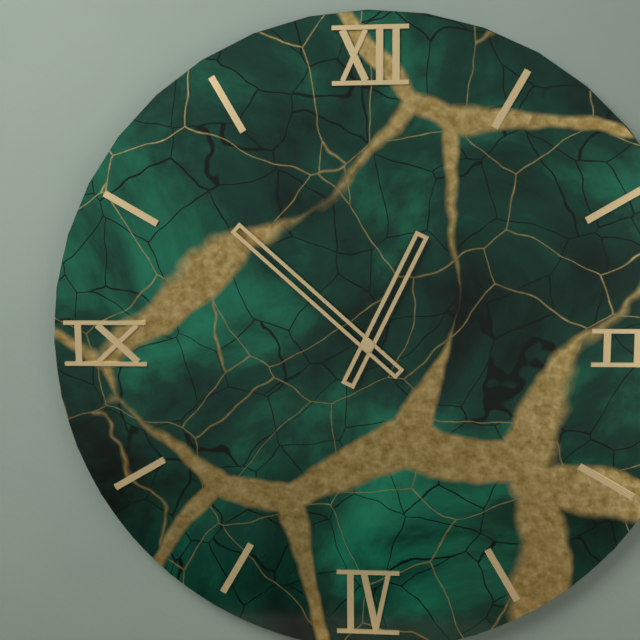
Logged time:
h=12 m=52
